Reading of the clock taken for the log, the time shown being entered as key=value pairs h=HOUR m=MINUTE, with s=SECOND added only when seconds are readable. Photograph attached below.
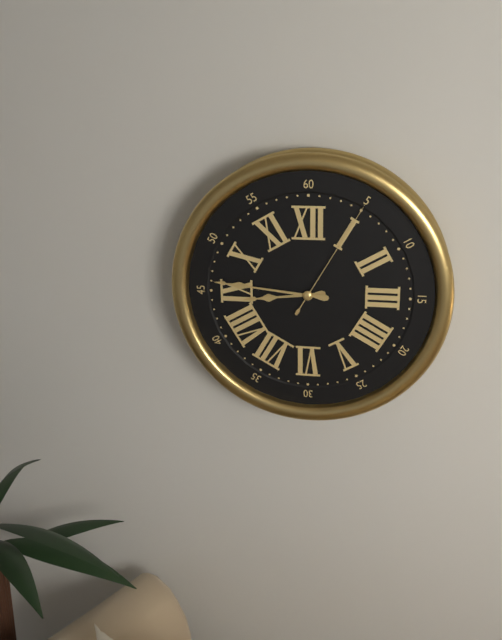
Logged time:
h=8 m=46 s=5
